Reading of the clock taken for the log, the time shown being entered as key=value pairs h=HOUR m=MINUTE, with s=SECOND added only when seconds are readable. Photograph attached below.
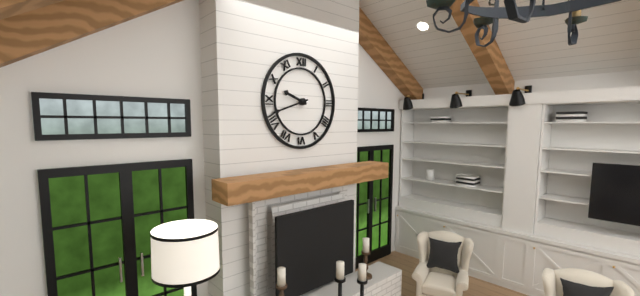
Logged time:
h=9 m=42
